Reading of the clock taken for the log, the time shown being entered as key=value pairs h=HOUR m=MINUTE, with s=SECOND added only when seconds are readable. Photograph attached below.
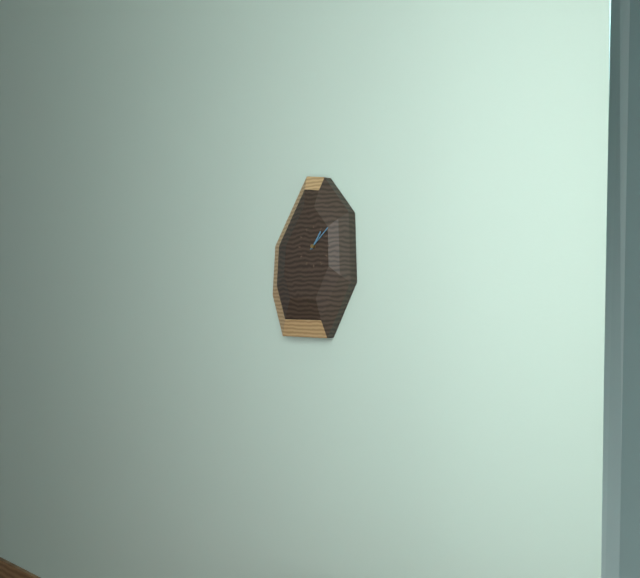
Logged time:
h=1 m=8
